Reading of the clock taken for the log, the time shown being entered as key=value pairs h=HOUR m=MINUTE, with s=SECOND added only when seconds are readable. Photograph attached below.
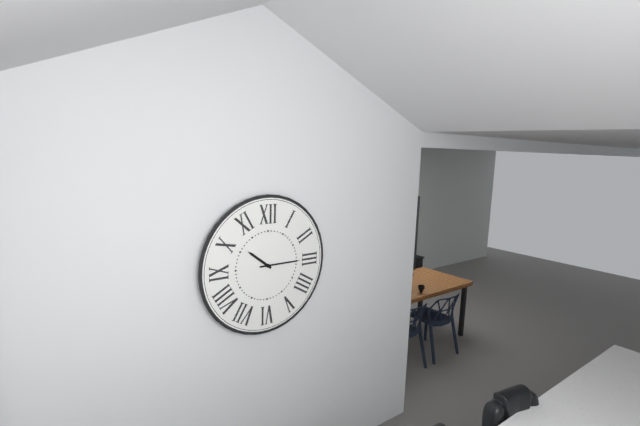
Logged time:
h=10 m=15
